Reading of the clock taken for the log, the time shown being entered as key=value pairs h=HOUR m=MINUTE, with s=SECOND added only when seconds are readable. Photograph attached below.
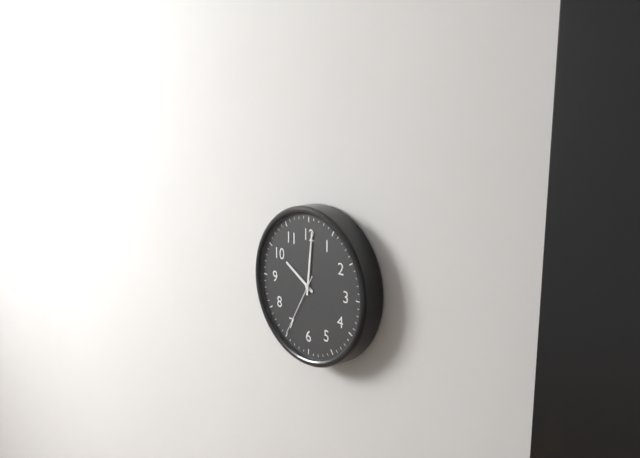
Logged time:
h=10 m=1 s=35
